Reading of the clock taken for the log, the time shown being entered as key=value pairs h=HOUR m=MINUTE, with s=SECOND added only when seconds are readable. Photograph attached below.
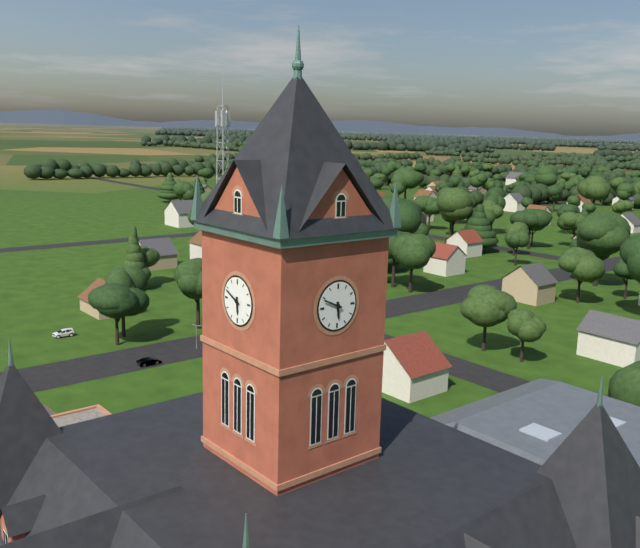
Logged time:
h=5 m=49
